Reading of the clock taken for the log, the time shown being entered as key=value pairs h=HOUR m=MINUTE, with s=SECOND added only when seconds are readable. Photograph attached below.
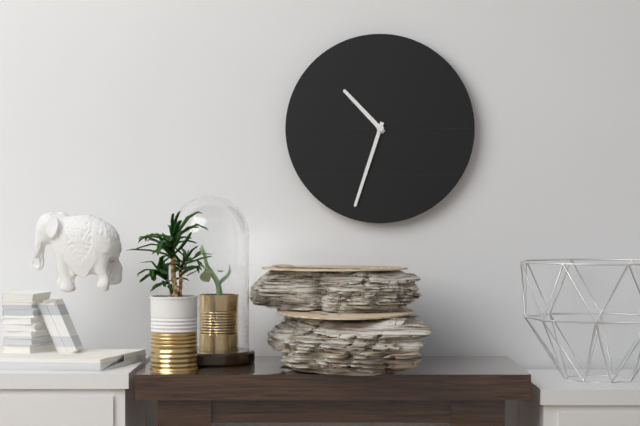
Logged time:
h=10 m=33
